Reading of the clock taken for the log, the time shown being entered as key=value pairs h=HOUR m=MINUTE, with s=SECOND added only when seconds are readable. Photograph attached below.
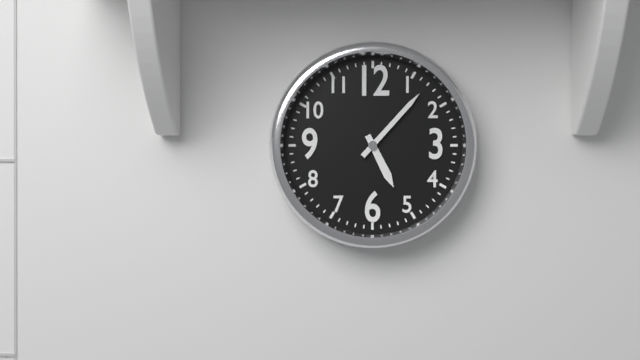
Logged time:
h=5 m=7
